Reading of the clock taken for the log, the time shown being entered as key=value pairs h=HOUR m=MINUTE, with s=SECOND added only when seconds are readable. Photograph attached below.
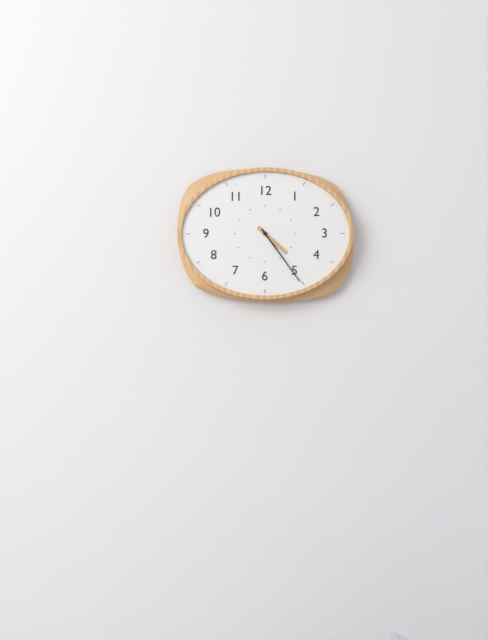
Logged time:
h=4 m=24
